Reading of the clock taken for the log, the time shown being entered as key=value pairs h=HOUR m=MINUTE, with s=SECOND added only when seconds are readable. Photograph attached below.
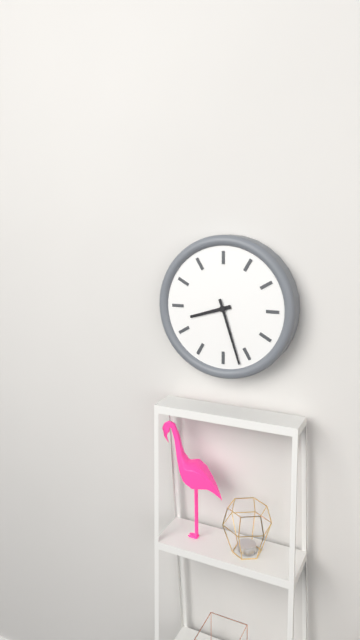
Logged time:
h=8 m=27
